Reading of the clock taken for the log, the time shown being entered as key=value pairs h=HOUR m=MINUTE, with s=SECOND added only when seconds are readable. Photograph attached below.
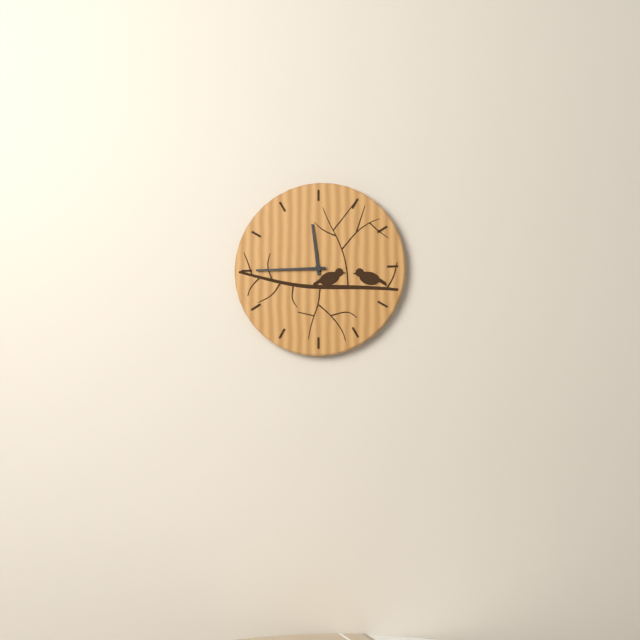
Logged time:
h=11 m=45
